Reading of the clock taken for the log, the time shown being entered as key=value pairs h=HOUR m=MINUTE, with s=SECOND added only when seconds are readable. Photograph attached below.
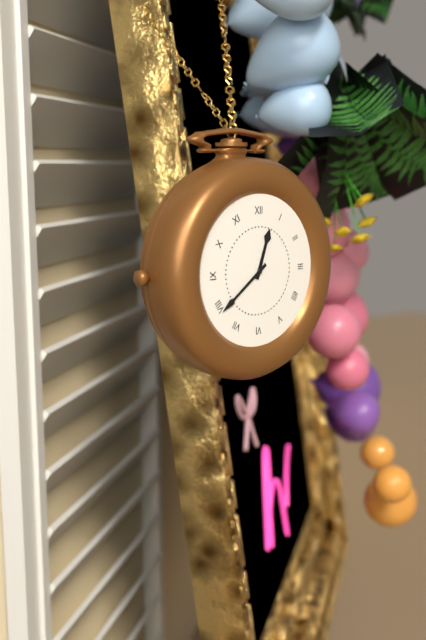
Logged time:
h=12 m=39
